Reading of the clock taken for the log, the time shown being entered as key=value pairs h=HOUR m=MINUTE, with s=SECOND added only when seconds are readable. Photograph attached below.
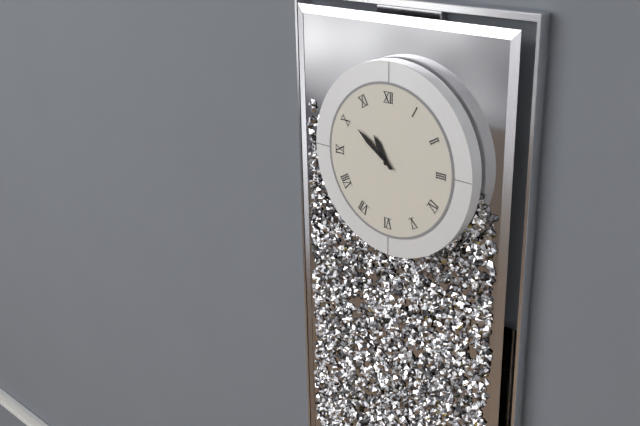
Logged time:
h=10 m=51
